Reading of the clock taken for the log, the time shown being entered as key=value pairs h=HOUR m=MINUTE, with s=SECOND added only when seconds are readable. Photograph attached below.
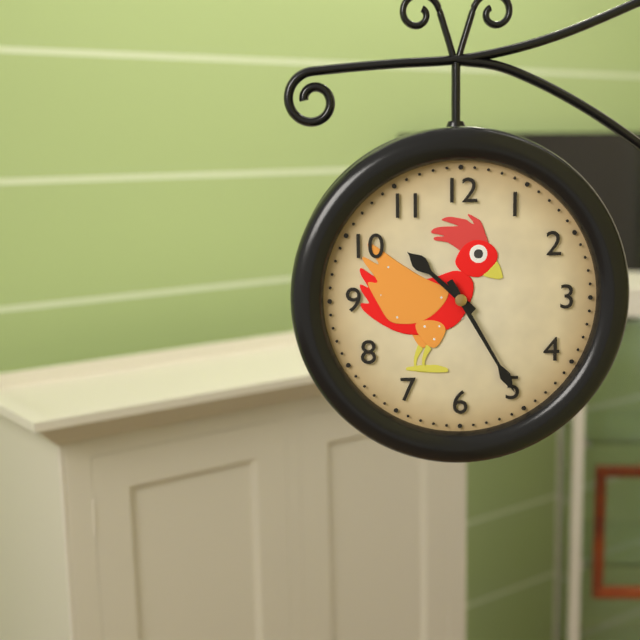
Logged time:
h=10 m=25
